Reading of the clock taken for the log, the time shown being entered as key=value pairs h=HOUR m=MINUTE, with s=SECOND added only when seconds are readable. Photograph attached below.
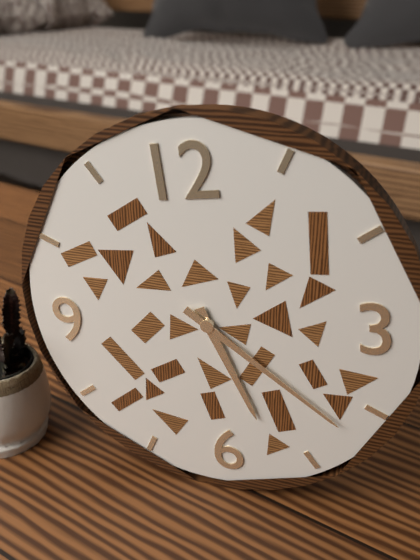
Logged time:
h=5 m=22
